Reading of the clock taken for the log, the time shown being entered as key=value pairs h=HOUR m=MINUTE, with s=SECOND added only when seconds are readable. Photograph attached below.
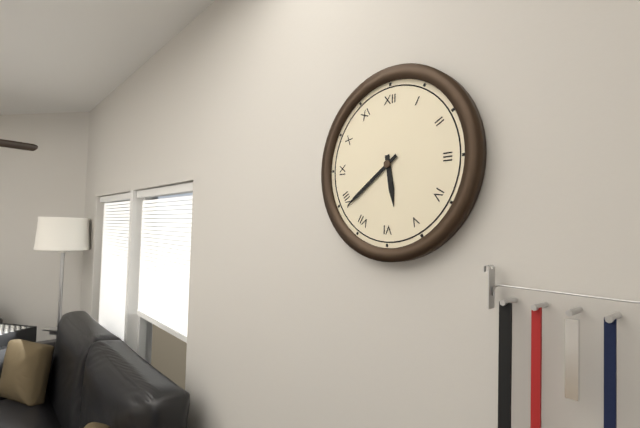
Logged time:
h=5 m=39
